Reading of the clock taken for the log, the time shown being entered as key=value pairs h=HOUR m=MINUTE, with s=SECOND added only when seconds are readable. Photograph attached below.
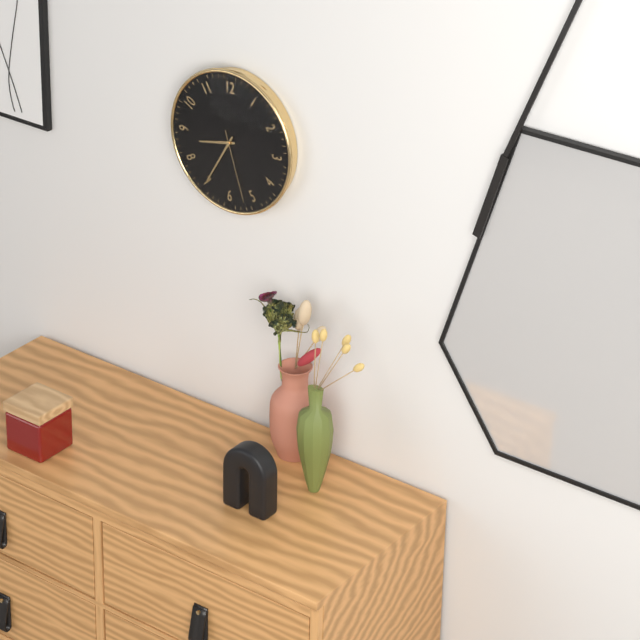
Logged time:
h=8 m=35 s=27
